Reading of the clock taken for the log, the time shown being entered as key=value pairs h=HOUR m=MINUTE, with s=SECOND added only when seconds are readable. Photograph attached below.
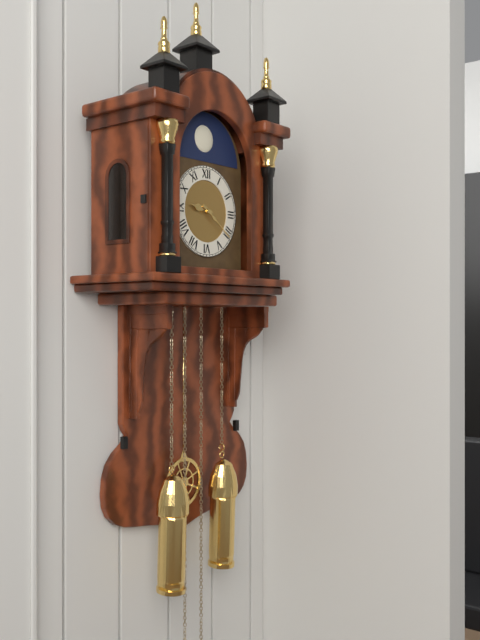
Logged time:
h=9 m=21
